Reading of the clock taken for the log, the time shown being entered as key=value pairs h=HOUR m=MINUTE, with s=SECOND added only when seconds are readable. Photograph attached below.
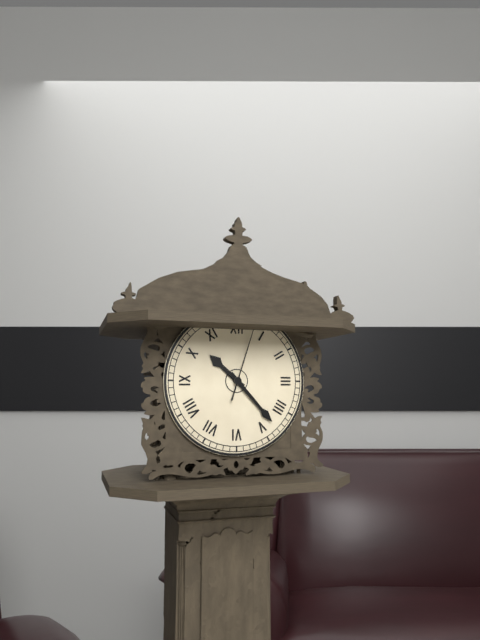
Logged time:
h=10 m=23 s=3
